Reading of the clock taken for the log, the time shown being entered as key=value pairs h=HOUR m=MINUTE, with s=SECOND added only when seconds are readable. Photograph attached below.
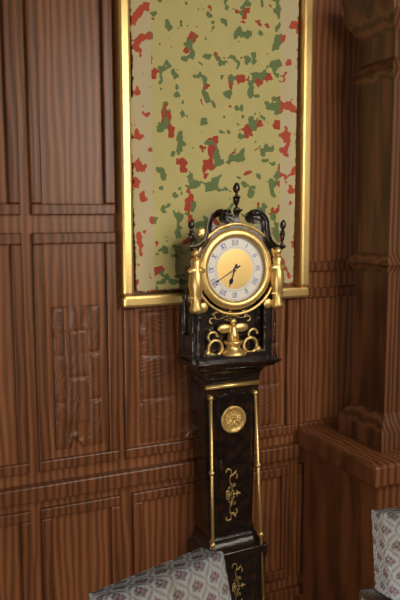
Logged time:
h=6 m=40
